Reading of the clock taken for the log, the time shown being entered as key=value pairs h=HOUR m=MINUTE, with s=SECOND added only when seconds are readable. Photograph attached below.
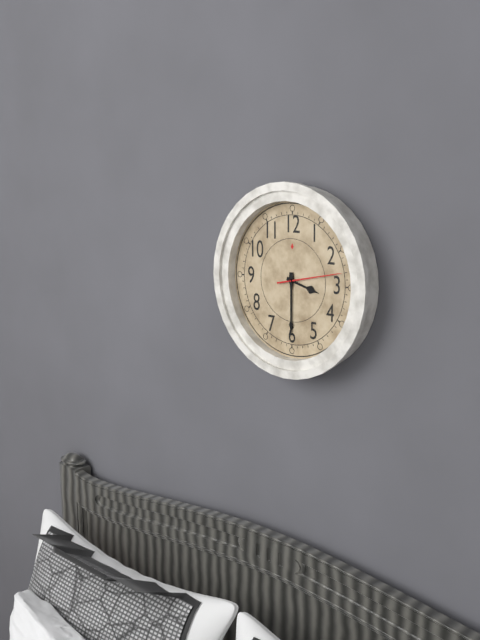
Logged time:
h=3 m=30 s=13
